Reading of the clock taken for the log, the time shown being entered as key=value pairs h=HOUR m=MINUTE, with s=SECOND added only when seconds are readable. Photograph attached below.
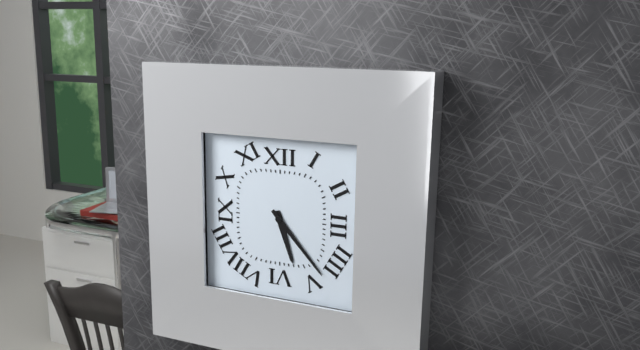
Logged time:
h=5 m=23
